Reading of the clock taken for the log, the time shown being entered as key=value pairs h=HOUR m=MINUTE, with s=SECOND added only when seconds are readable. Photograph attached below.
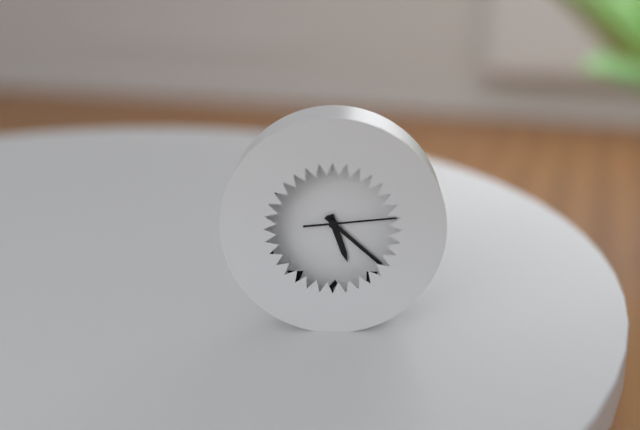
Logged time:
h=5 m=22 s=14
